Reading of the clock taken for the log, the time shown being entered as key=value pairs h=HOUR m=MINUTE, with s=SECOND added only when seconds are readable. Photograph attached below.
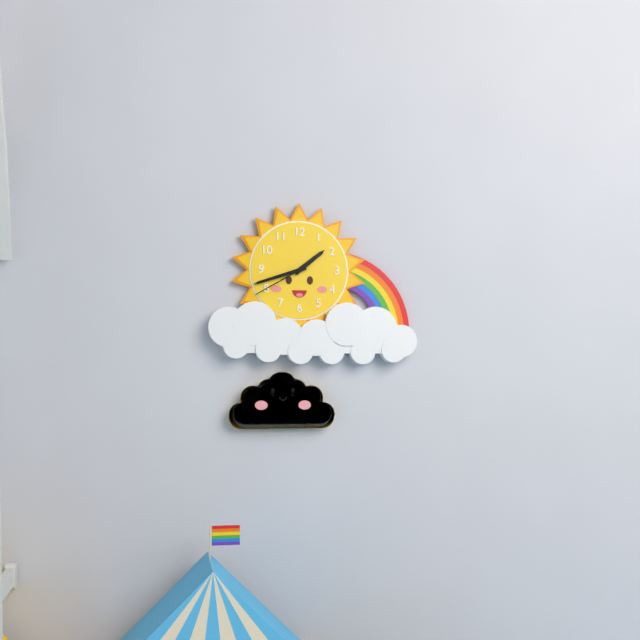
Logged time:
h=1 m=42 s=40
